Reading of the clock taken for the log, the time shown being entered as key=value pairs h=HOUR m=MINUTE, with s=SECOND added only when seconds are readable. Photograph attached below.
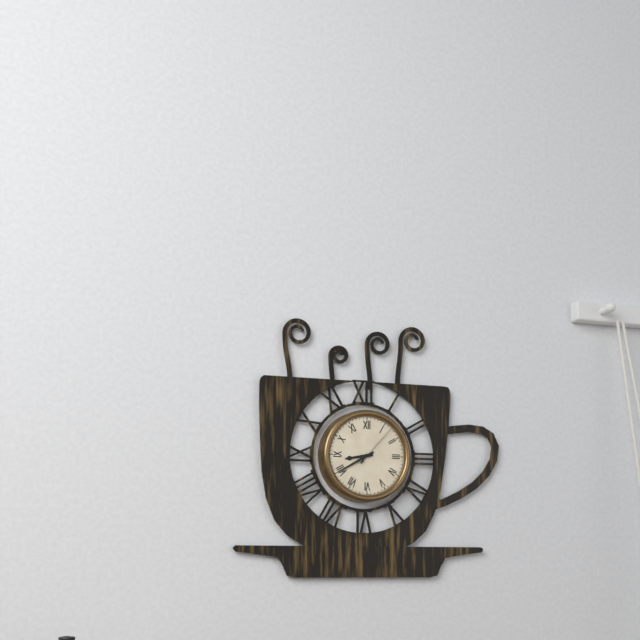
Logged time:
h=8 m=40
